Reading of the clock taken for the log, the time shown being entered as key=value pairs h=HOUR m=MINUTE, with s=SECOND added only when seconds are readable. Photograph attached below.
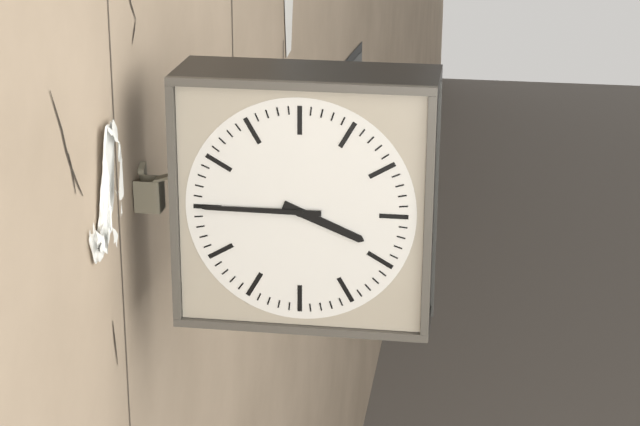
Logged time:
h=3 m=45
